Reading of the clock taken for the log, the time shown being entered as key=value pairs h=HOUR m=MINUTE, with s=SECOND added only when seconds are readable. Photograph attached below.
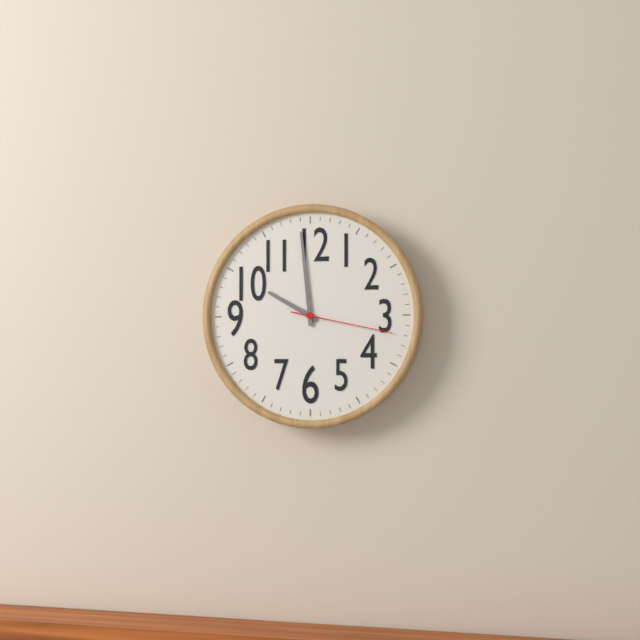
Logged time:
h=9 m=59 s=17
